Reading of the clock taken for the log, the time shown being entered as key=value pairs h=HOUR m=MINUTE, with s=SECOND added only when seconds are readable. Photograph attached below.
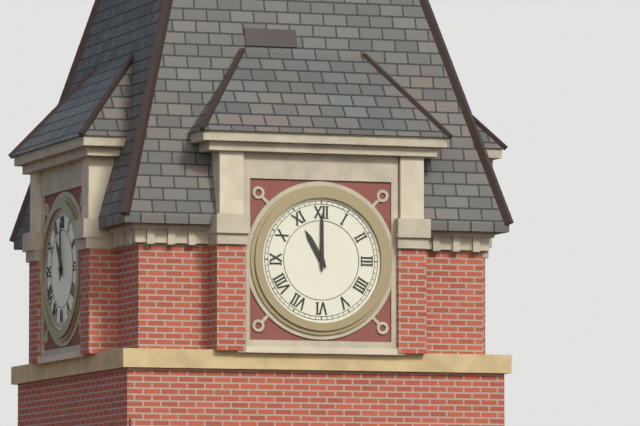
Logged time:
h=11 m=0
